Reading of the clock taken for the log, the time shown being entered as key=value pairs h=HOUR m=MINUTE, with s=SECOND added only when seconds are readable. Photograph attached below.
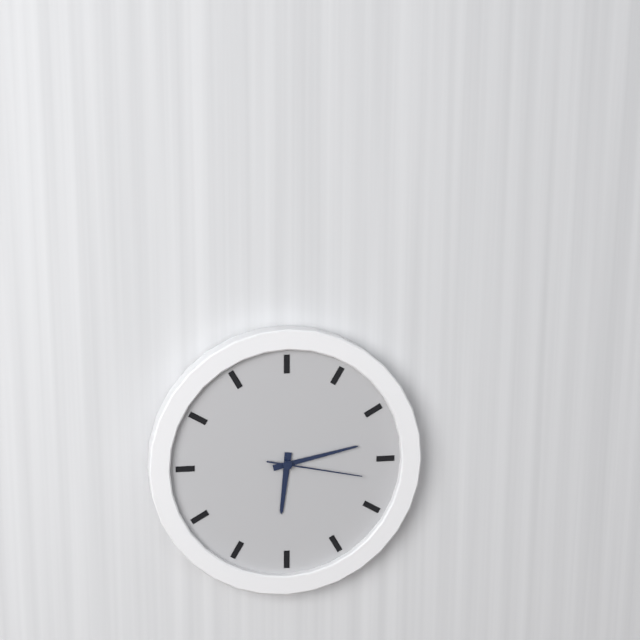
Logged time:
h=6 m=13 s=17
